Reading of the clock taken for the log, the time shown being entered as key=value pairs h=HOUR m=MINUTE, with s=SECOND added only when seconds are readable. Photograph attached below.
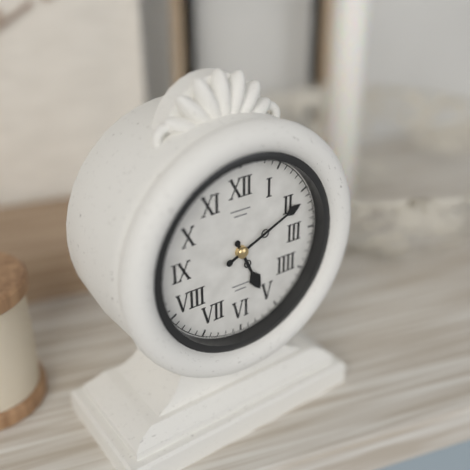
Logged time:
h=5 m=11
